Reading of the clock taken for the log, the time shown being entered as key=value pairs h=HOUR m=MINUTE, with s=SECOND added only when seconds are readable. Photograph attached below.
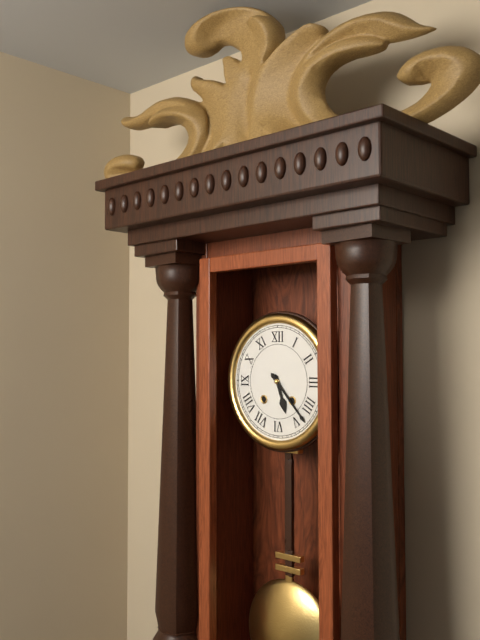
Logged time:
h=5 m=23
